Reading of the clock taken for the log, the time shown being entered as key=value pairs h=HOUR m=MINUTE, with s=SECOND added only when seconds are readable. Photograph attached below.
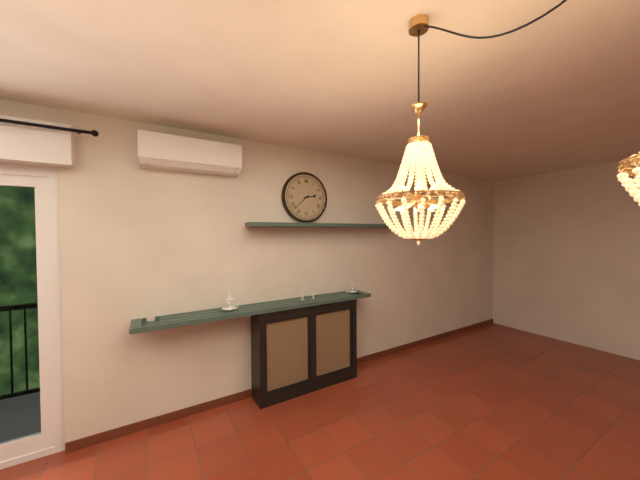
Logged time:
h=2 m=38
